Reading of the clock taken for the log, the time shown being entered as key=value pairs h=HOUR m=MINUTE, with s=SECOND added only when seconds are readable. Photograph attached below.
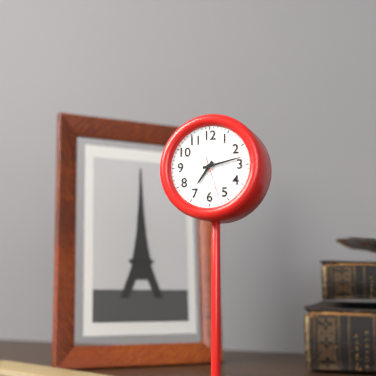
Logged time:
h=7 m=13
